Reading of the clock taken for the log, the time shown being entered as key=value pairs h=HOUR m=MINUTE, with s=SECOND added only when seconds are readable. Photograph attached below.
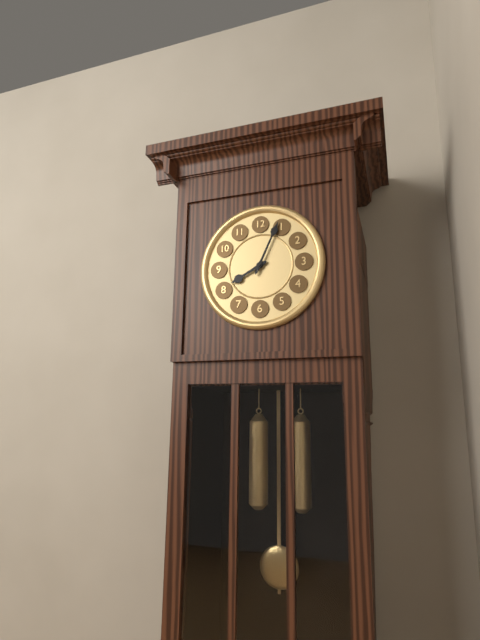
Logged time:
h=8 m=4
